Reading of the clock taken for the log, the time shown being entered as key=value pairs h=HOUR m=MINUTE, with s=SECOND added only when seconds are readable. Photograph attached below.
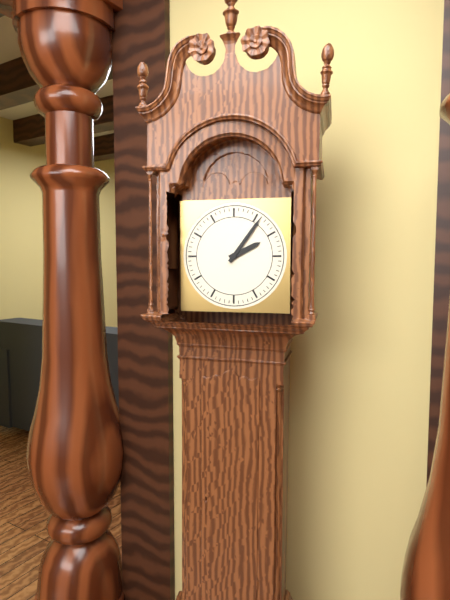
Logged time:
h=2 m=6
